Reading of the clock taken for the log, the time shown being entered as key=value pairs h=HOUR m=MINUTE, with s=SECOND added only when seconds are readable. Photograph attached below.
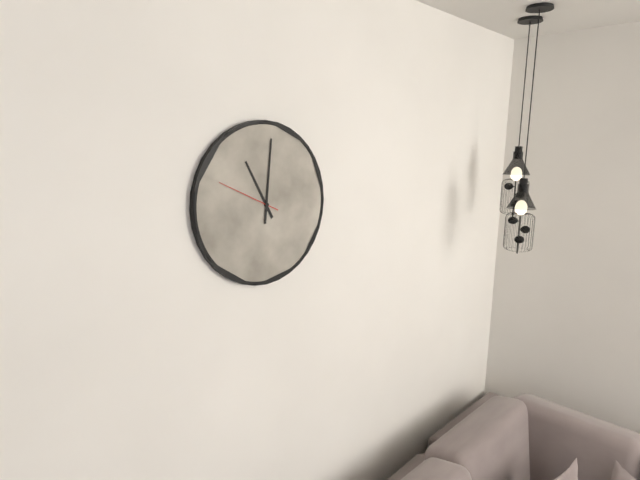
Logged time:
h=11 m=1 s=49
